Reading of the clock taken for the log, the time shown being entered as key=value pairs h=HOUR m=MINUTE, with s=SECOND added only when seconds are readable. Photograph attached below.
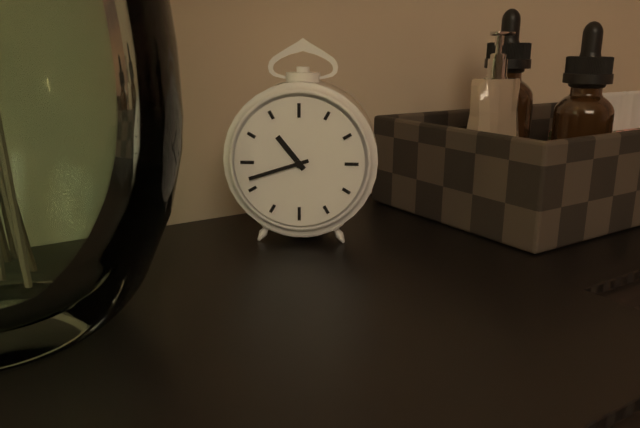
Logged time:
h=10 m=42
